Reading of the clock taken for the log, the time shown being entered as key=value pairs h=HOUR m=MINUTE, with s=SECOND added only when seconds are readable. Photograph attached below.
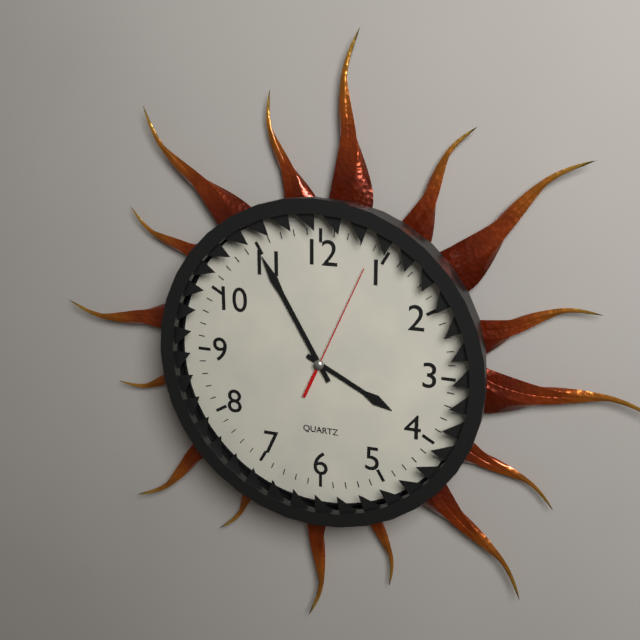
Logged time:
h=3 m=55 s=4
